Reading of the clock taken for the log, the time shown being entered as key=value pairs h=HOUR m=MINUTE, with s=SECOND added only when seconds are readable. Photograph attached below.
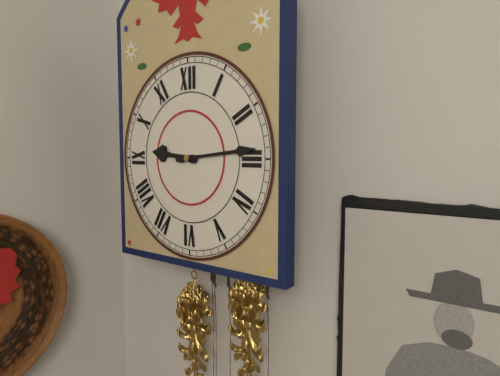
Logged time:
h=9 m=14
